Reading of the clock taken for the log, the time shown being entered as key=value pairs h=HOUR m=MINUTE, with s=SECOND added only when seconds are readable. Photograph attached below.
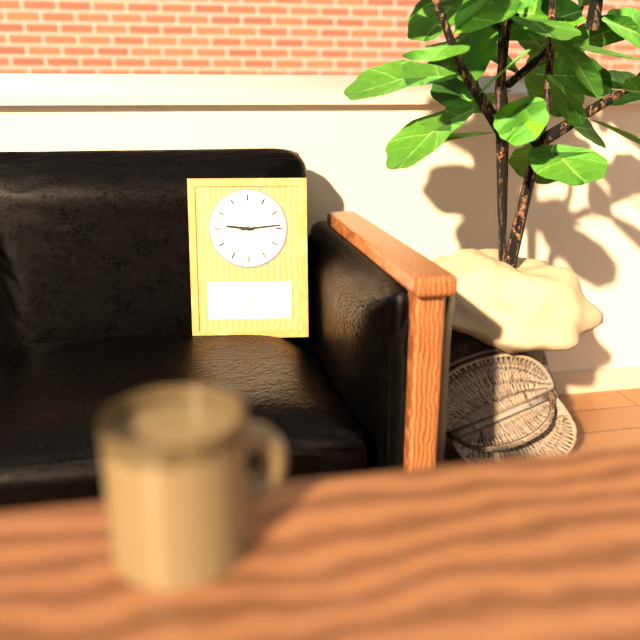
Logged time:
h=9 m=14
